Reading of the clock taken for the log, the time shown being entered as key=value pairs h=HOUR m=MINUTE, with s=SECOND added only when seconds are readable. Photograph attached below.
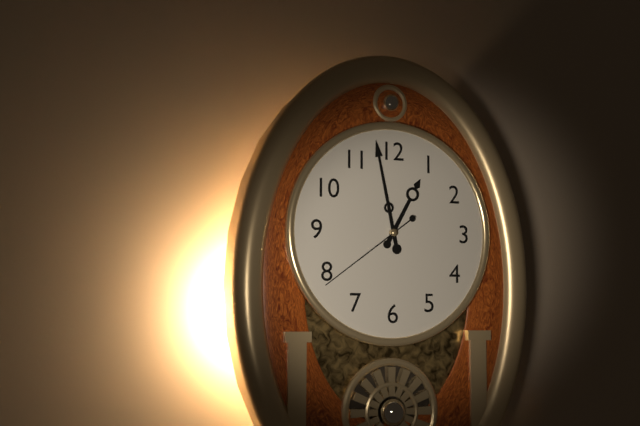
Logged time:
h=12 m=58 s=39
